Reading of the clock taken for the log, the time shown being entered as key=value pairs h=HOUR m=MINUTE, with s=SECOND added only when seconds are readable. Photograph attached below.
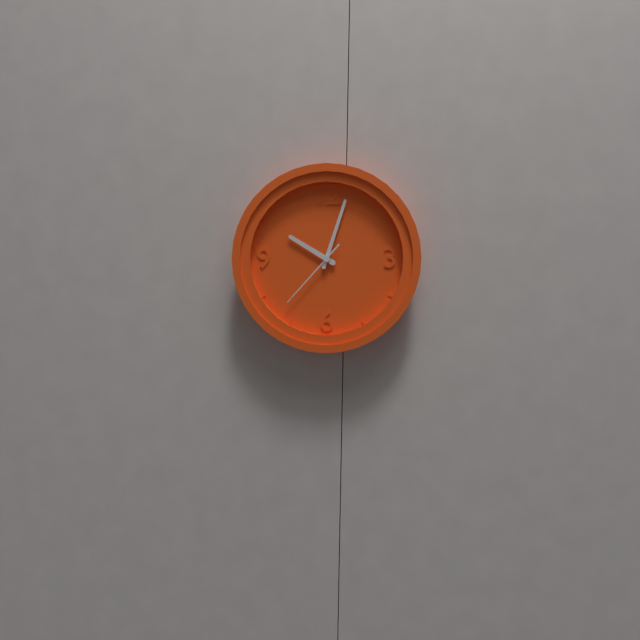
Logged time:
h=10 m=3 s=37
